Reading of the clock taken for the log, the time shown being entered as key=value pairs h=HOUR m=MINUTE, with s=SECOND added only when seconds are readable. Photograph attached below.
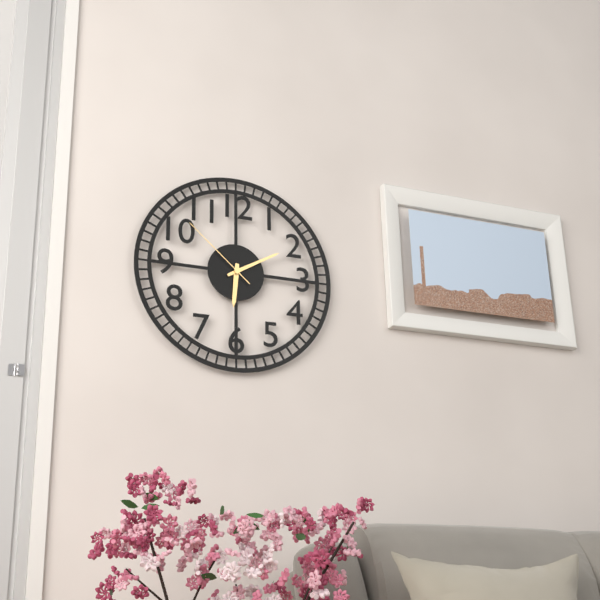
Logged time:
h=6 m=10 s=52
